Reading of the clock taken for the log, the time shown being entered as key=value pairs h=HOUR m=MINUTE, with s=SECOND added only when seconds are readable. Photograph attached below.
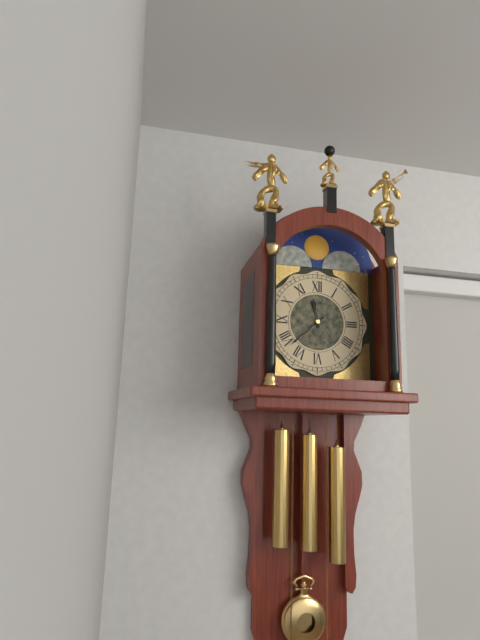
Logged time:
h=11 m=38
